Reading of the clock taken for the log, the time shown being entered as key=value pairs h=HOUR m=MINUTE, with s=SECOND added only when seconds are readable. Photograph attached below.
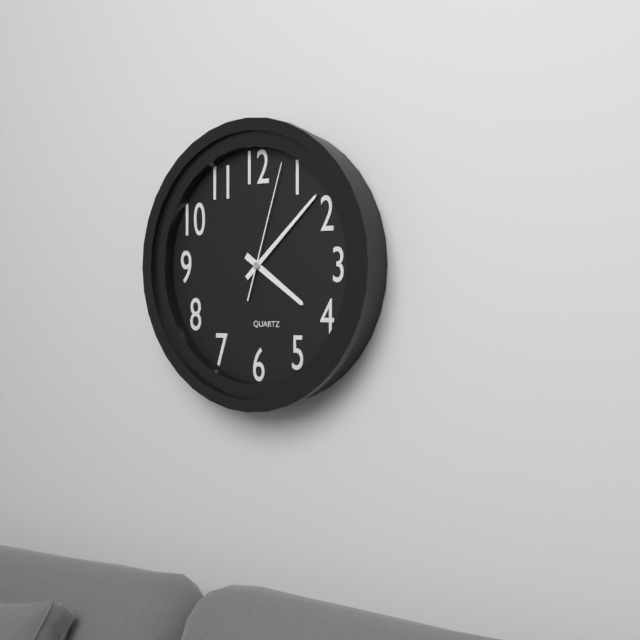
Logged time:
h=4 m=8 s=3
